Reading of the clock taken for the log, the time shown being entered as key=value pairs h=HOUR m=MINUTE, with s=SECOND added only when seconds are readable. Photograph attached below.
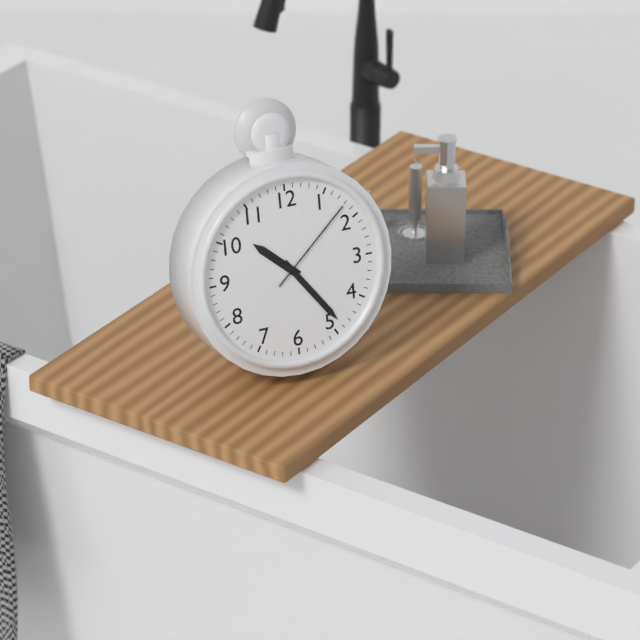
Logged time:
h=10 m=24 s=8
